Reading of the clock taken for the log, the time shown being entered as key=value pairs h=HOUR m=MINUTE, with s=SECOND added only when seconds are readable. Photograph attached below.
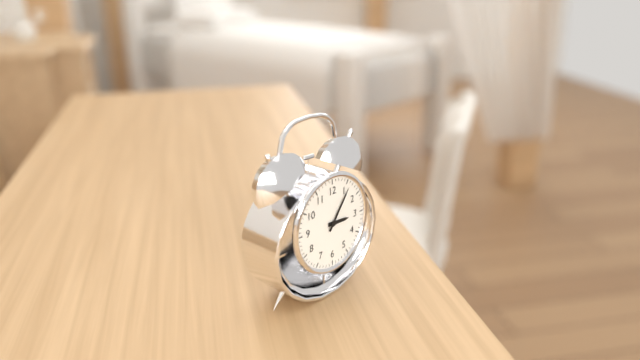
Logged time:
h=3 m=6
